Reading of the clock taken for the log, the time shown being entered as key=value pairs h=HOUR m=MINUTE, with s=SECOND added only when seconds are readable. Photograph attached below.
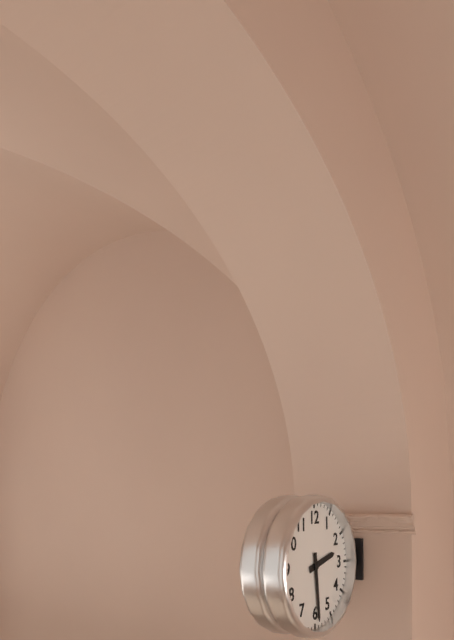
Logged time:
h=2 m=29
